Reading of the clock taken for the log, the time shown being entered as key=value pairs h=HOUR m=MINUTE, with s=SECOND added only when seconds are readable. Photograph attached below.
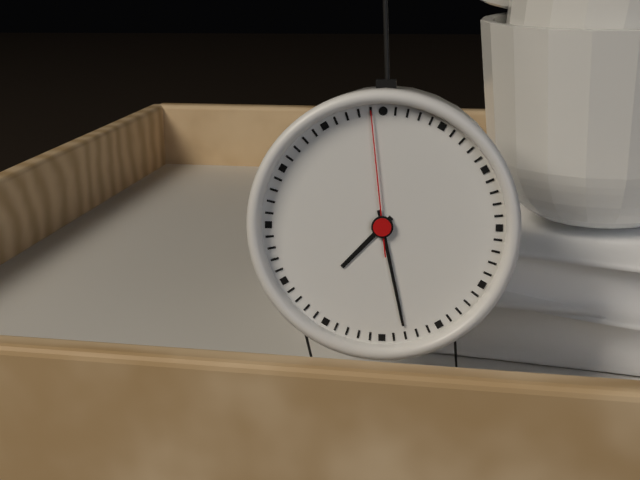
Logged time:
h=7 m=28 s=59
